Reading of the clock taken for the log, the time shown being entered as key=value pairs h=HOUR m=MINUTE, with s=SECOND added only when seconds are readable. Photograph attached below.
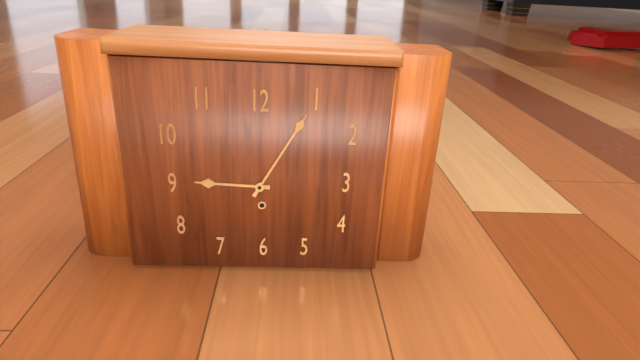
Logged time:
h=9 m=5
